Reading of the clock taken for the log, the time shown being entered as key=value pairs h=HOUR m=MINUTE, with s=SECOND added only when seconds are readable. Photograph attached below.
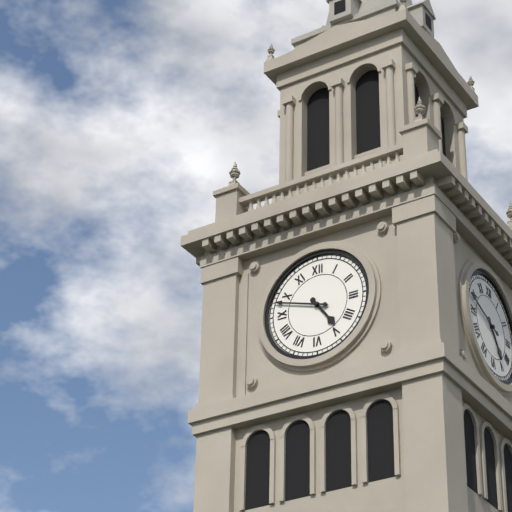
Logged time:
h=4 m=48
